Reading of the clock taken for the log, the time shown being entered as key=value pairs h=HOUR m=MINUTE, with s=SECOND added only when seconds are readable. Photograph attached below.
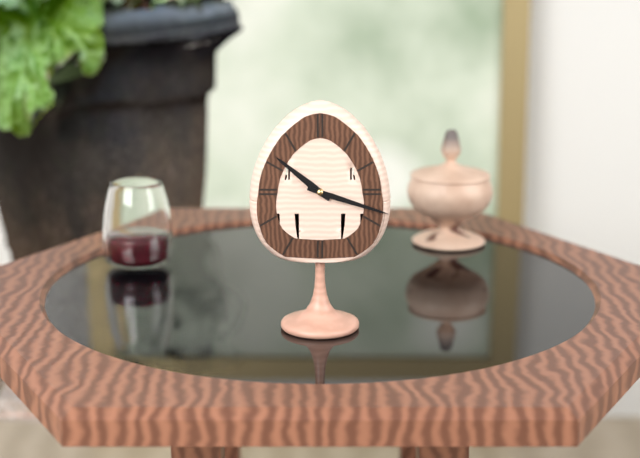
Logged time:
h=10 m=18
